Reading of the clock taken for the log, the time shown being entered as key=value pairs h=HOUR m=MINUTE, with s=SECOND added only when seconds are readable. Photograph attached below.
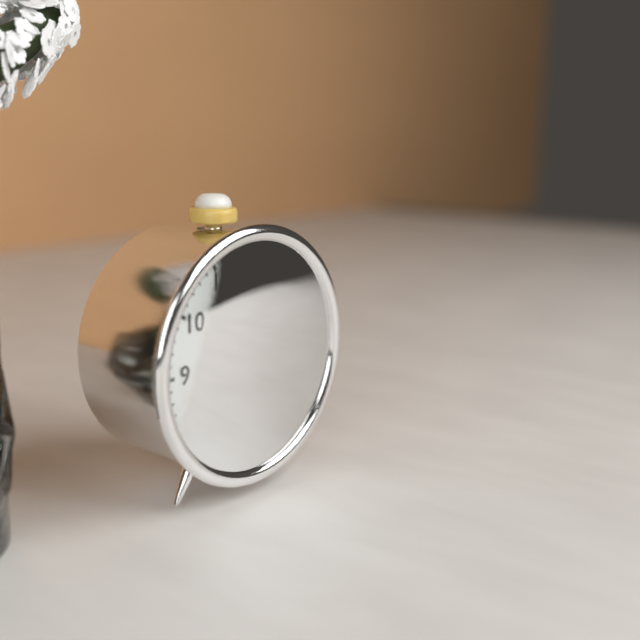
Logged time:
h=8 m=33
